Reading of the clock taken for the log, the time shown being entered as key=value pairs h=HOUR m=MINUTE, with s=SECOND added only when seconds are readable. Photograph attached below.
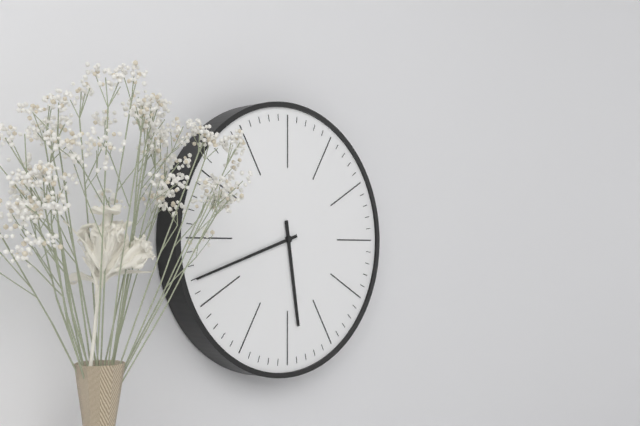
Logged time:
h=5 m=42
